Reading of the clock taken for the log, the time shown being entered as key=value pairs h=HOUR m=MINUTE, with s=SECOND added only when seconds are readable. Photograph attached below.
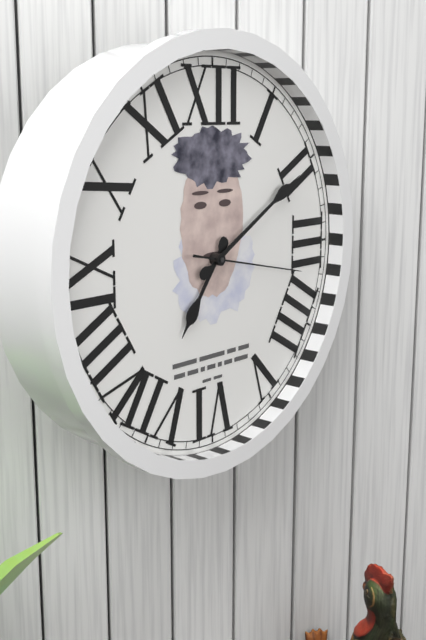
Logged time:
h=7 m=10 s=17
